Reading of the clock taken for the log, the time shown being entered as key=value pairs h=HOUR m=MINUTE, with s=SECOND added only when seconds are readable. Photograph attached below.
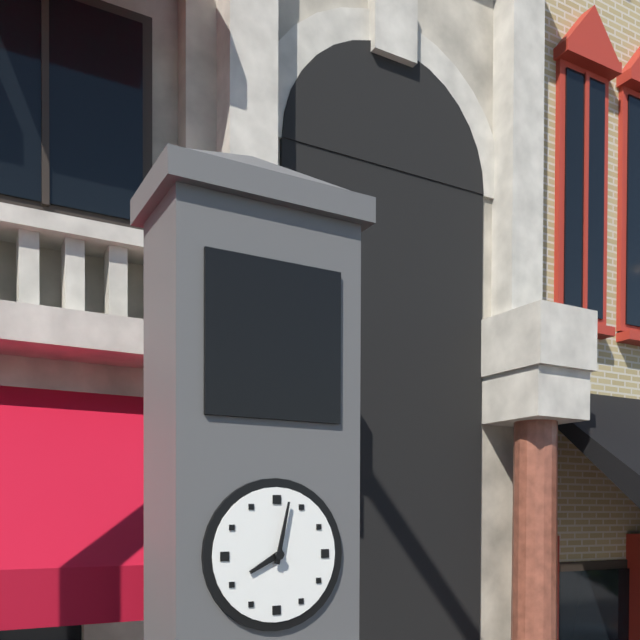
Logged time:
h=8 m=2
